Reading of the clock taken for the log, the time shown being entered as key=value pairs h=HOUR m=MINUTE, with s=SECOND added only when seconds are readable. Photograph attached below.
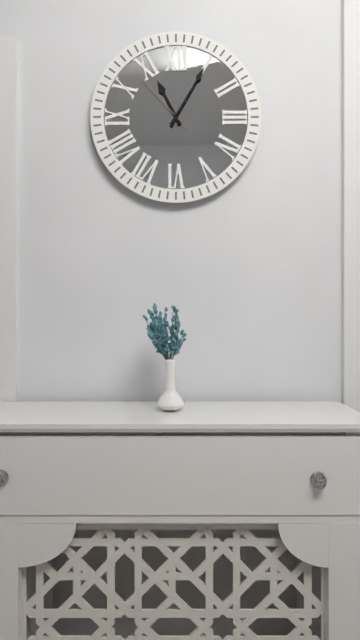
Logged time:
h=11 m=5 s=53
